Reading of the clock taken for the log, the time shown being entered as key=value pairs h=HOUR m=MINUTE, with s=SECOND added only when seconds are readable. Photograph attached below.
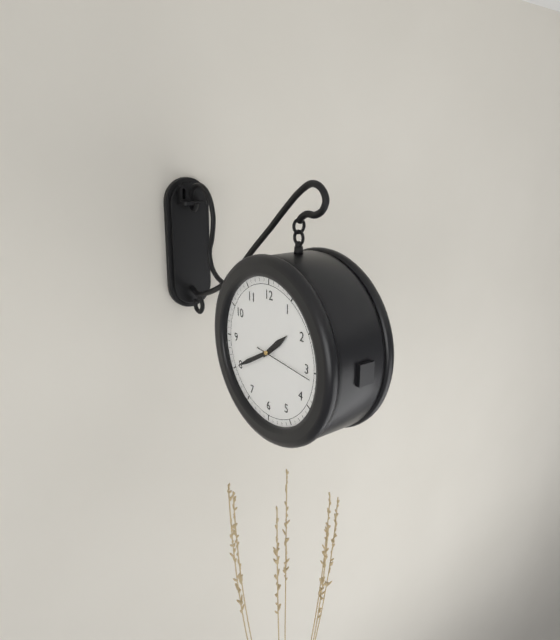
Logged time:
h=1 m=40 s=16
